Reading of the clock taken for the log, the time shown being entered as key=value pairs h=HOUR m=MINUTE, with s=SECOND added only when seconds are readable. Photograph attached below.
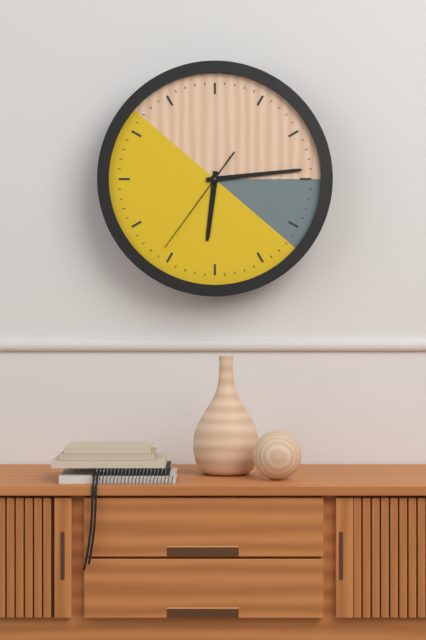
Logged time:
h=6 m=14 s=36
